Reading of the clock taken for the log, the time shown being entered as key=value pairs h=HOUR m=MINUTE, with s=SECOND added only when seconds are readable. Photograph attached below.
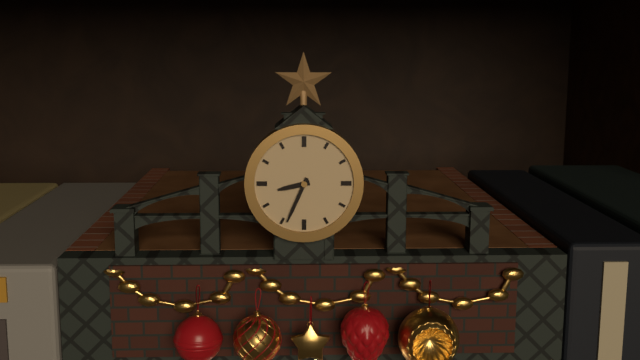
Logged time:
h=8 m=34
